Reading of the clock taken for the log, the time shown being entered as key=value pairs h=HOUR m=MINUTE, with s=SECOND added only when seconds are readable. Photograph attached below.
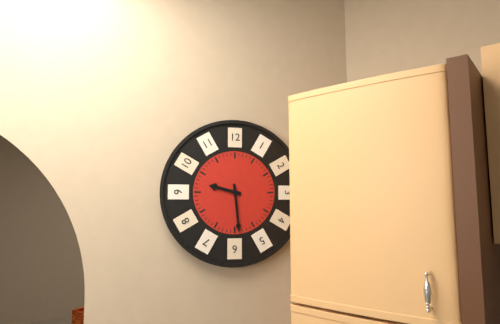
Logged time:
h=9 m=29
